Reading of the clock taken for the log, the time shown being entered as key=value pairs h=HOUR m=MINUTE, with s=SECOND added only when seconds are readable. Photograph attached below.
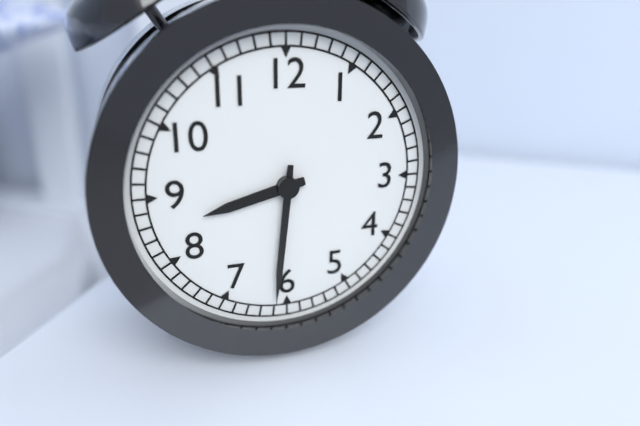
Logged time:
h=8 m=31
